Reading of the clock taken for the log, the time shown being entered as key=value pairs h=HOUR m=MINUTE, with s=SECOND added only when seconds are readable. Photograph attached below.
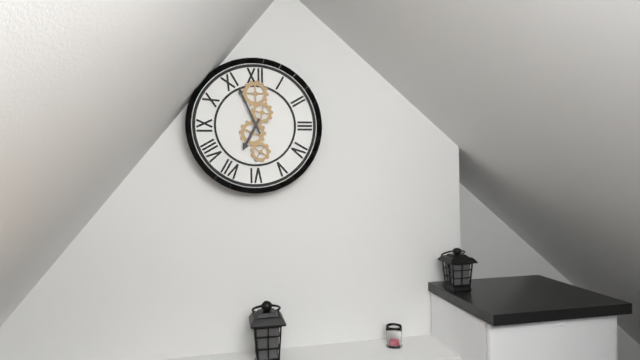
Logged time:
h=6 m=56
